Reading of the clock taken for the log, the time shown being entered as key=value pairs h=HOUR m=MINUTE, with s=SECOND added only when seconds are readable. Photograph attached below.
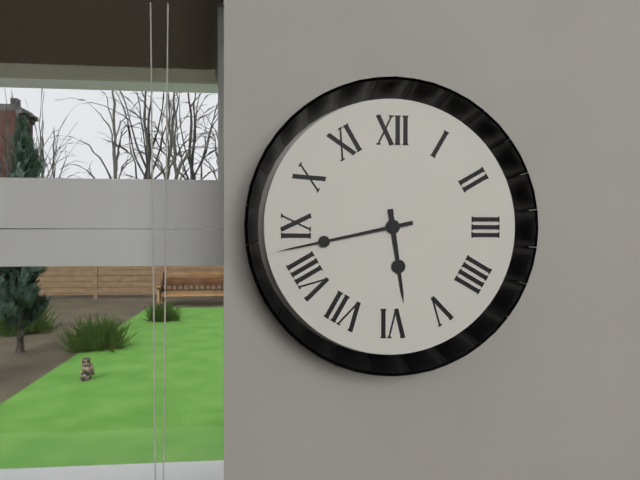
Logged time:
h=5 m=43
